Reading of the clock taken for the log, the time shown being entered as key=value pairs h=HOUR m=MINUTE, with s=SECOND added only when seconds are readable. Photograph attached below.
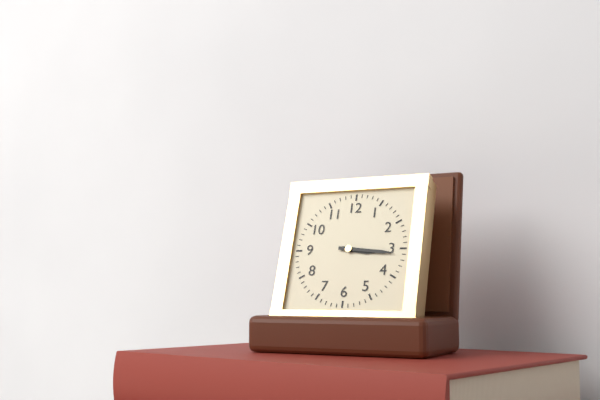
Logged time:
h=3 m=16
